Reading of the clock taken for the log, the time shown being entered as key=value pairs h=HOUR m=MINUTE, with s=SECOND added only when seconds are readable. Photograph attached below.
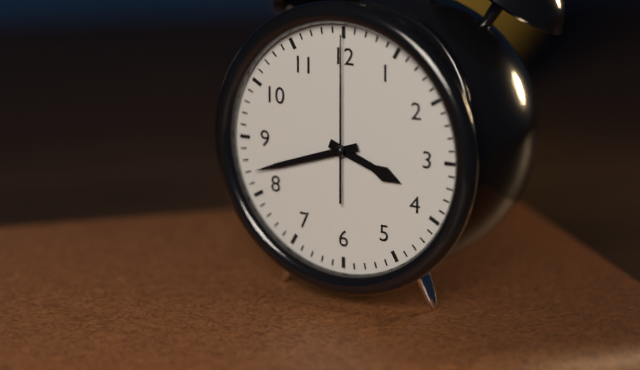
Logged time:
h=3 m=42 s=0
